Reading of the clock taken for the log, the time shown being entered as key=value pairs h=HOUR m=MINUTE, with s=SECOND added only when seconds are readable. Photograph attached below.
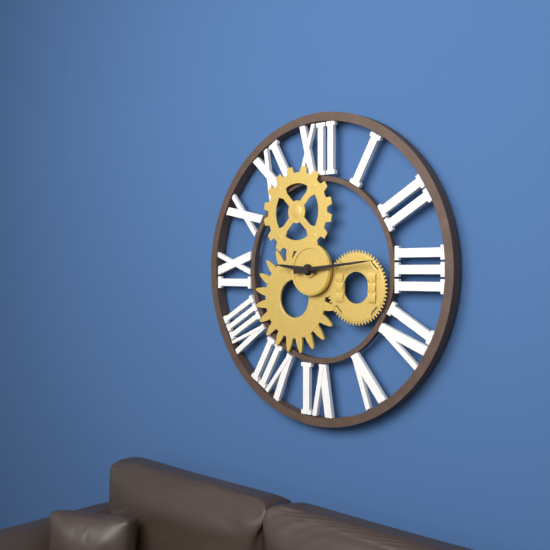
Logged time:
h=9 m=14
